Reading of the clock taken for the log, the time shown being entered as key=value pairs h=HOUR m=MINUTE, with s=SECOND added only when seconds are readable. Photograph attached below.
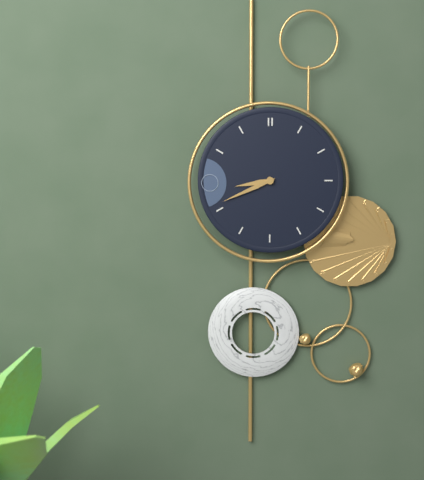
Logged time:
h=8 m=41
